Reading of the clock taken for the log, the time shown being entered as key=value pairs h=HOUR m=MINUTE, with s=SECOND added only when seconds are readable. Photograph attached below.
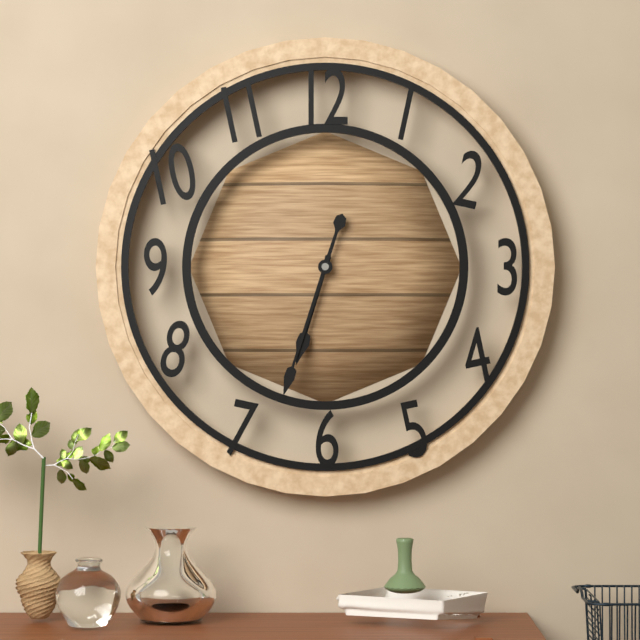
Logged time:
h=6 m=33
